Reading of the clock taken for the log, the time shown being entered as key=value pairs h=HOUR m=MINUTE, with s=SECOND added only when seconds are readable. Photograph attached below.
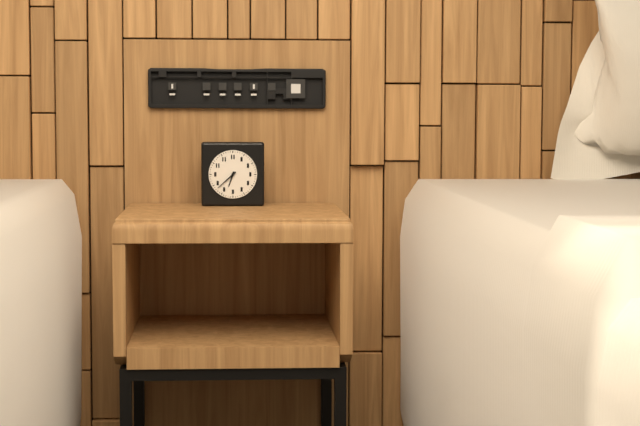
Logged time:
h=6 m=38
